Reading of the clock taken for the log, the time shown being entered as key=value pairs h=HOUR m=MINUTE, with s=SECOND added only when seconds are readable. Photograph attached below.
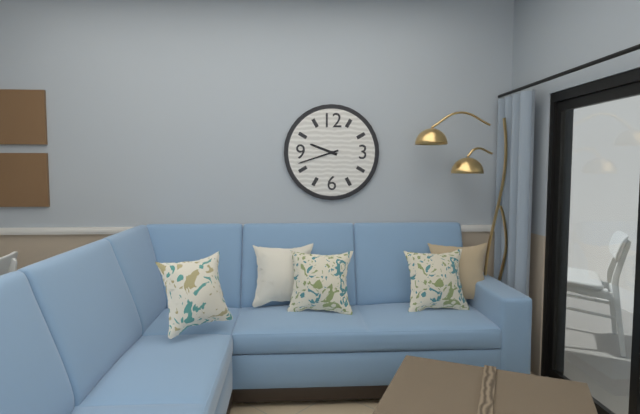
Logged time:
h=9 m=42
